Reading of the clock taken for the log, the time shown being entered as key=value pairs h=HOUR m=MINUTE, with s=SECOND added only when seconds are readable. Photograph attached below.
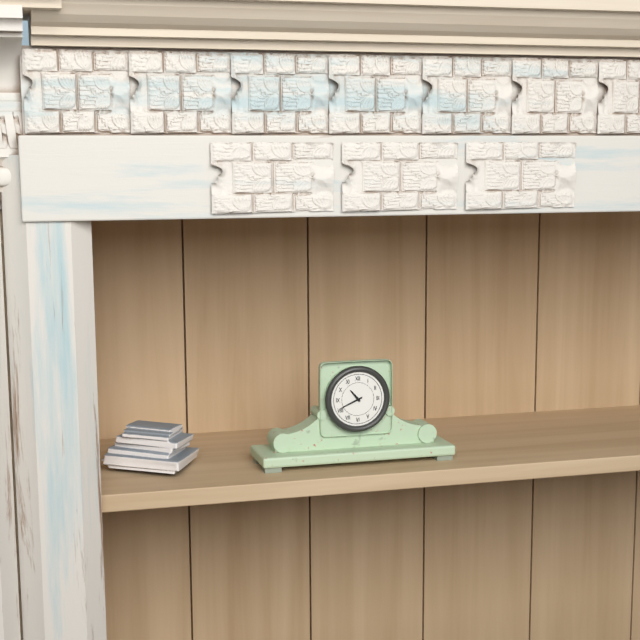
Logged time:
h=10 m=41
